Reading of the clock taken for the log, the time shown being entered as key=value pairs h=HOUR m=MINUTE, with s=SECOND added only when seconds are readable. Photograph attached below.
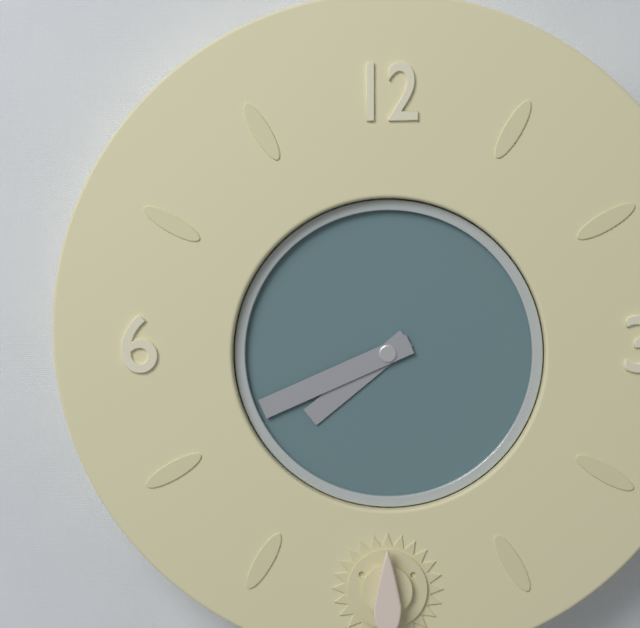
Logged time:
h=7 m=41
